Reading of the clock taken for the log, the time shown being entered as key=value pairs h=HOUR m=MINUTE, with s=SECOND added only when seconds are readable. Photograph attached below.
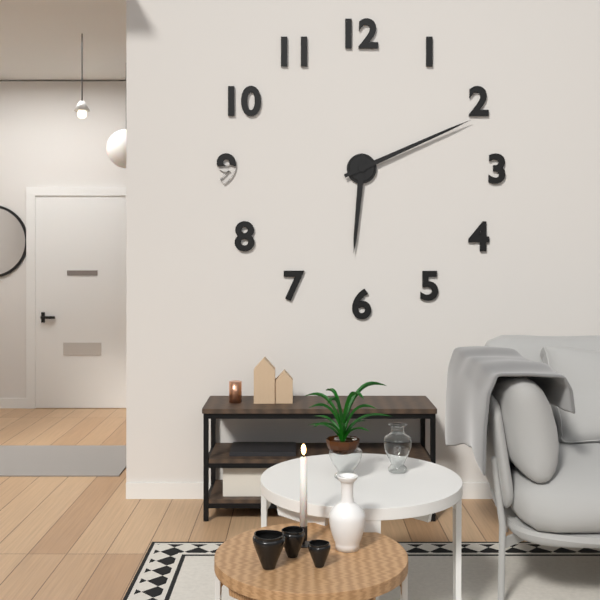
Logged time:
h=6 m=11
